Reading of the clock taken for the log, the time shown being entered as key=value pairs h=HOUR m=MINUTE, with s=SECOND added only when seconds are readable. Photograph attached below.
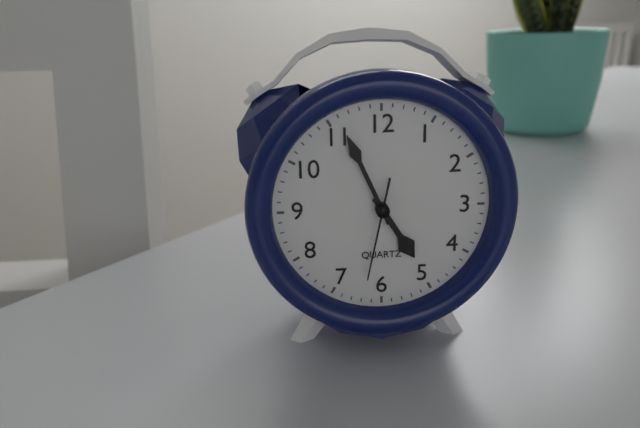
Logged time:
h=4 m=56 s=32
